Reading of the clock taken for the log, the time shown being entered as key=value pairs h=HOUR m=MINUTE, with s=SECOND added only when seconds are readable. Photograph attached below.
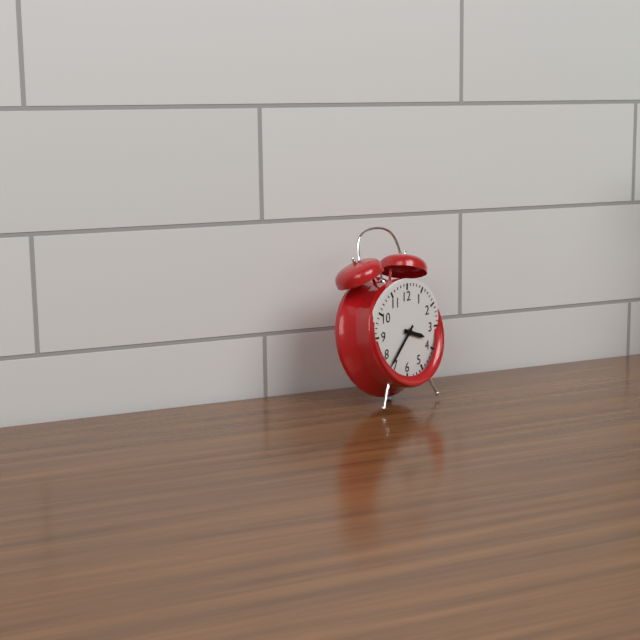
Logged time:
h=3 m=37
